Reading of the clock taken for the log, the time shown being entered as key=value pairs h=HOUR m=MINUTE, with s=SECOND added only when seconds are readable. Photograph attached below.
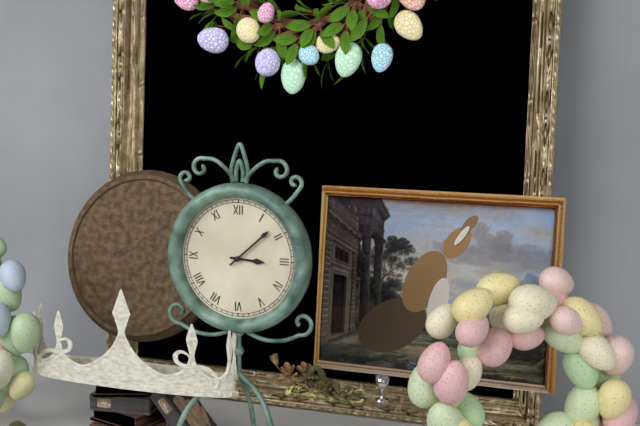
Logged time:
h=3 m=8
